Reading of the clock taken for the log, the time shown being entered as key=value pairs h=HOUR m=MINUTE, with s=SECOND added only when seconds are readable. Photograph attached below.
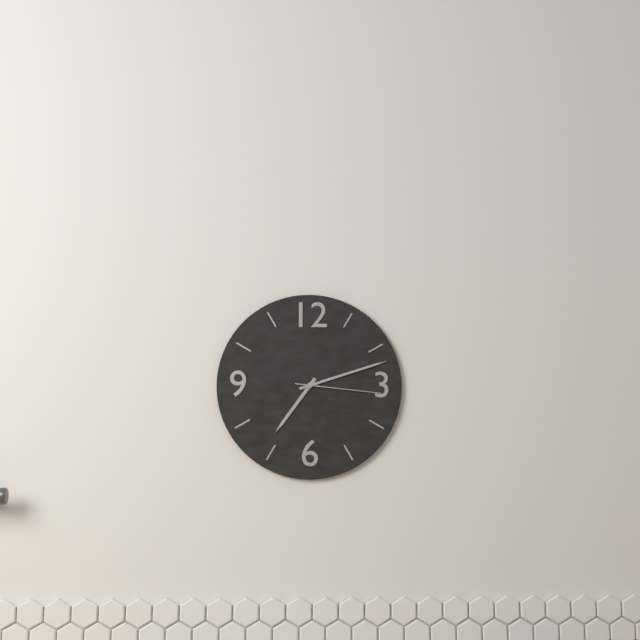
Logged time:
h=7 m=12 s=16
